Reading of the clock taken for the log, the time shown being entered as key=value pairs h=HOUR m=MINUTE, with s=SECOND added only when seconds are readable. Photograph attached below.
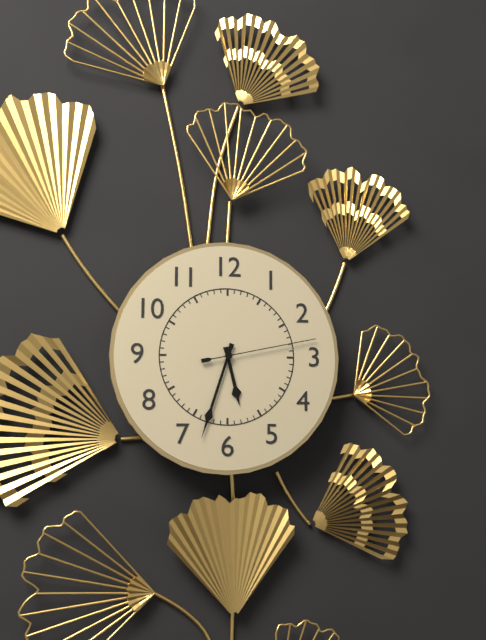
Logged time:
h=5 m=33 s=13
